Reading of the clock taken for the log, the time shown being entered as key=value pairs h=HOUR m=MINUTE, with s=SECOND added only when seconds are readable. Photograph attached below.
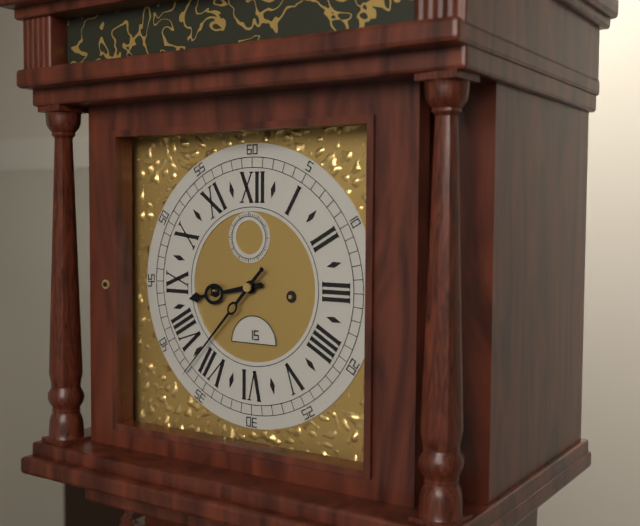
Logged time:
h=8 m=37
